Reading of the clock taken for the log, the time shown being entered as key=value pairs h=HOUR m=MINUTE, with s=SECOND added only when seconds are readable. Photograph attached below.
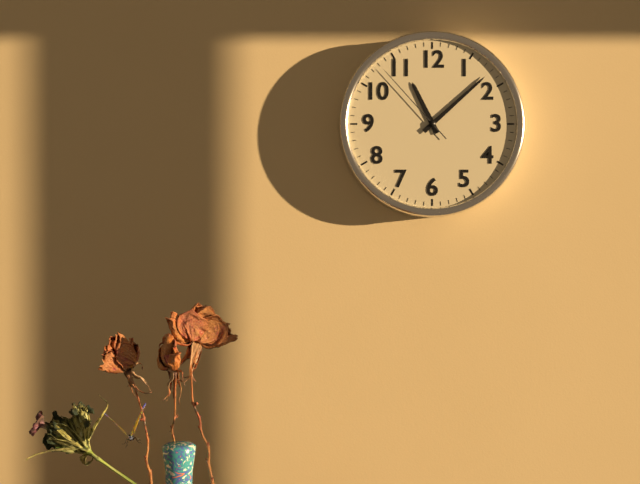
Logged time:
h=11 m=8 s=53
